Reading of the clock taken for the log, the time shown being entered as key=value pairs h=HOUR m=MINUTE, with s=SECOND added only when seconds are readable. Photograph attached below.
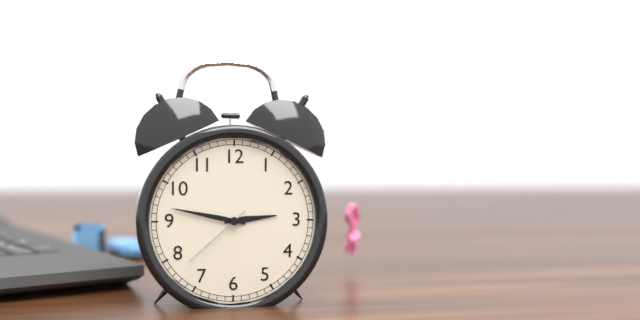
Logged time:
h=2 m=47 s=38
